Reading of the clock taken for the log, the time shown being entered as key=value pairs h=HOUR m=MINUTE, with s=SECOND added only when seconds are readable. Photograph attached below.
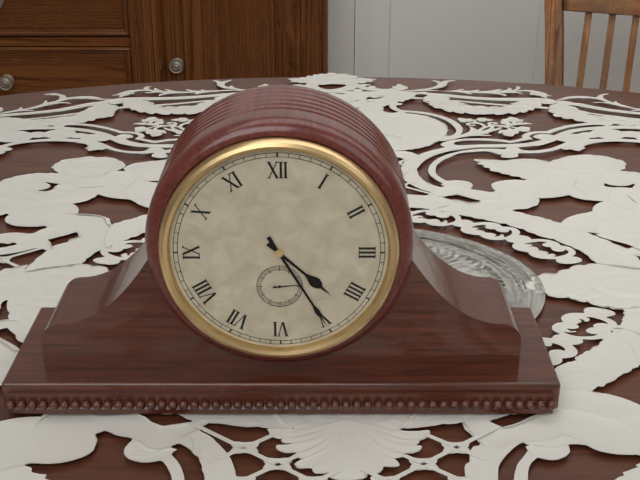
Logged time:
h=4 m=25
